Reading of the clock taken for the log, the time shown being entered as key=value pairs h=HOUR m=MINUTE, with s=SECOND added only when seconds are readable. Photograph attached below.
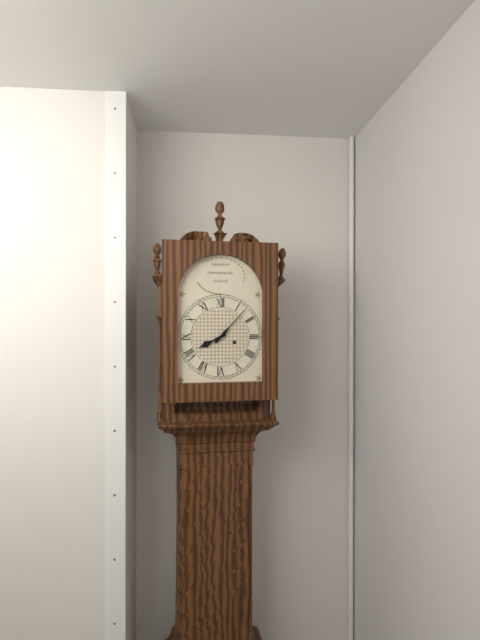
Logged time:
h=8 m=7
